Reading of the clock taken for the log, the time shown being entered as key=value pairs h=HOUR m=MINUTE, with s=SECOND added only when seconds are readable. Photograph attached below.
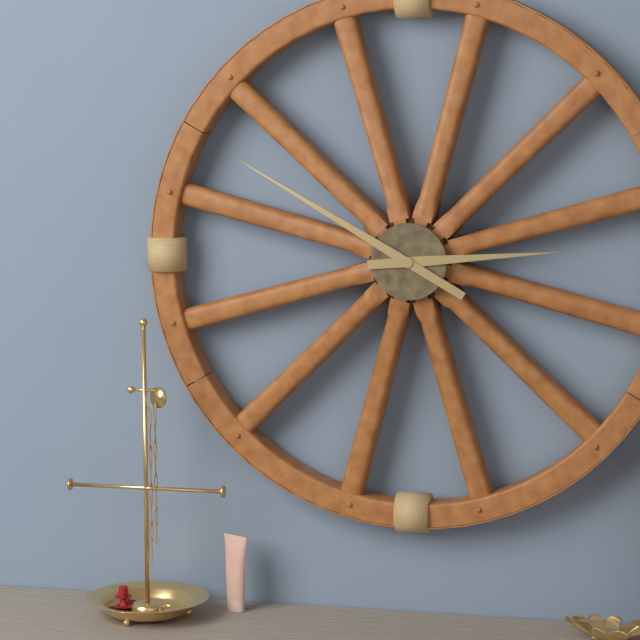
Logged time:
h=2 m=50
